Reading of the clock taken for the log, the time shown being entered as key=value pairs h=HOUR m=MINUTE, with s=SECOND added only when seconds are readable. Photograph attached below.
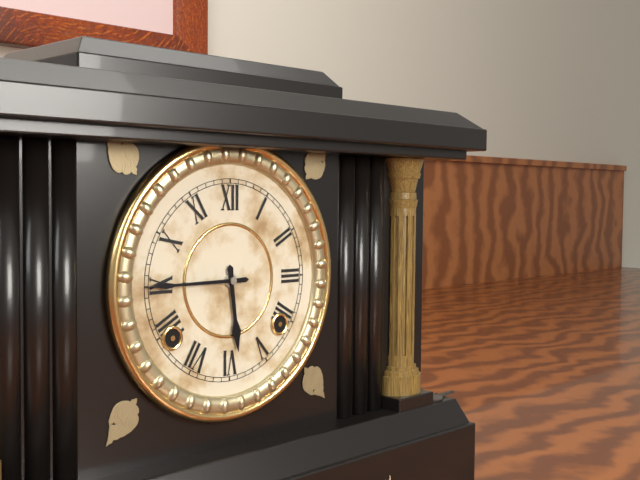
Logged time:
h=5 m=45
